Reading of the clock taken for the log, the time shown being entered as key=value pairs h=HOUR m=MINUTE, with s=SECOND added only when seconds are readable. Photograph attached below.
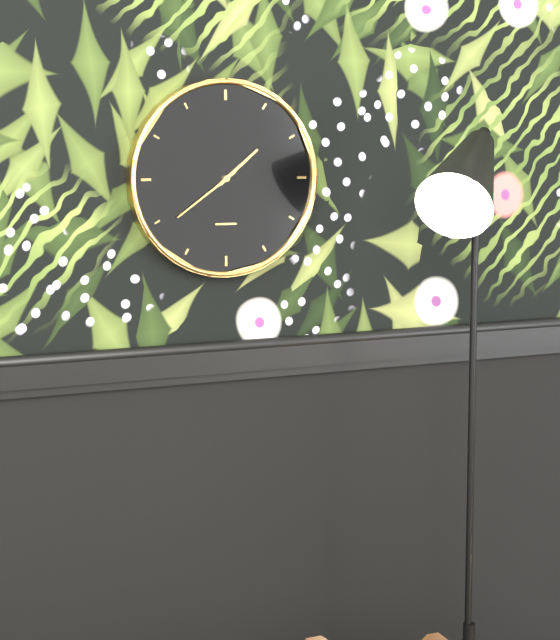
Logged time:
h=1 m=39
